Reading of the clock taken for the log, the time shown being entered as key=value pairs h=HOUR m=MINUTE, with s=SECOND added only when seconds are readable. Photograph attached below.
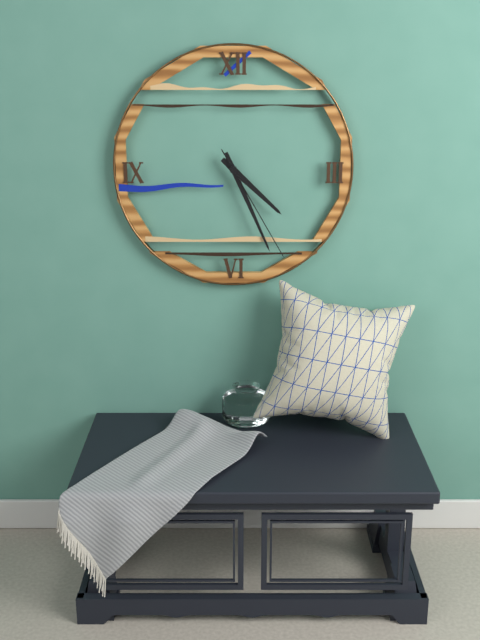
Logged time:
h=4 m=26 s=25
